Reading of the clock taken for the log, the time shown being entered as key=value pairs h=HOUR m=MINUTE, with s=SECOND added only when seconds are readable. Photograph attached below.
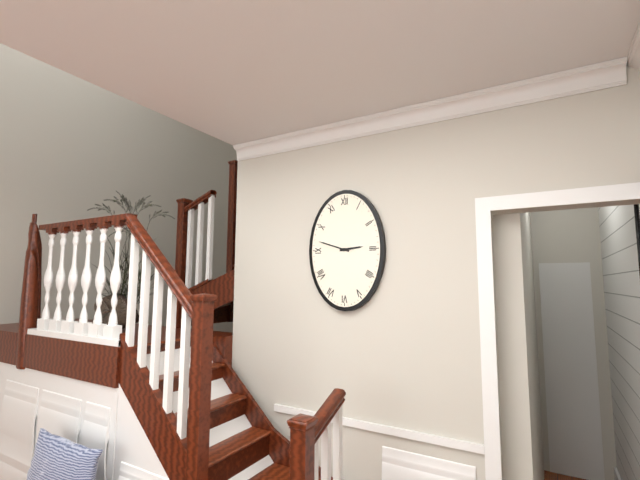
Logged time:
h=2 m=48
